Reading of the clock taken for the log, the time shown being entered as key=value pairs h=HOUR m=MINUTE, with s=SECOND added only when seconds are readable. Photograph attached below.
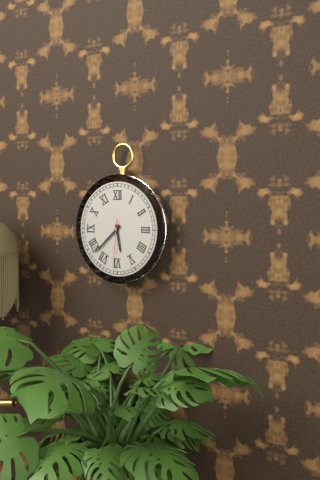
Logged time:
h=5 m=38 s=31
